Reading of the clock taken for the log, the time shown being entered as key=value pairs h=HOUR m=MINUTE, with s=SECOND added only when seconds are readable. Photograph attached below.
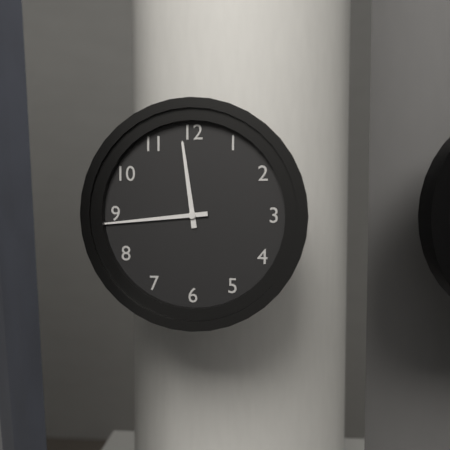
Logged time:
h=11 m=44
